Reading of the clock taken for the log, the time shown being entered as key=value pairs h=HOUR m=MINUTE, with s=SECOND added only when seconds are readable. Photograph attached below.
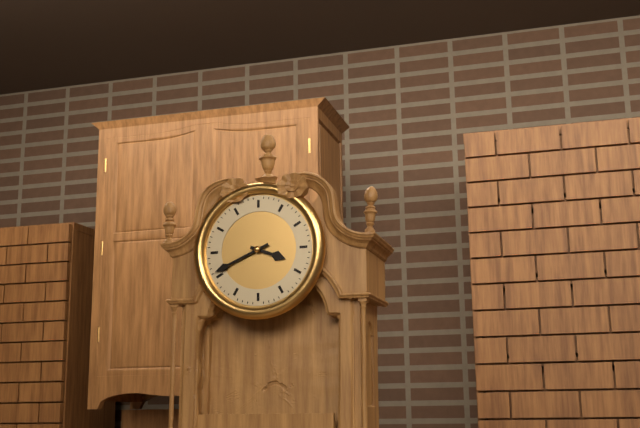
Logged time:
h=3 m=41
